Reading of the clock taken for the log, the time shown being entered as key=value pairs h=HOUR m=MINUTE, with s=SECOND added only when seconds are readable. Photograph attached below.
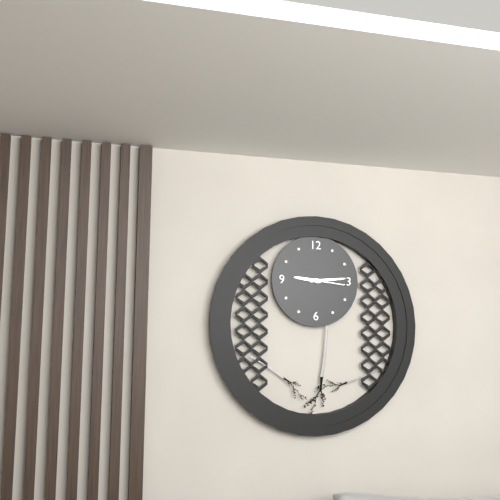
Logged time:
h=9 m=14
